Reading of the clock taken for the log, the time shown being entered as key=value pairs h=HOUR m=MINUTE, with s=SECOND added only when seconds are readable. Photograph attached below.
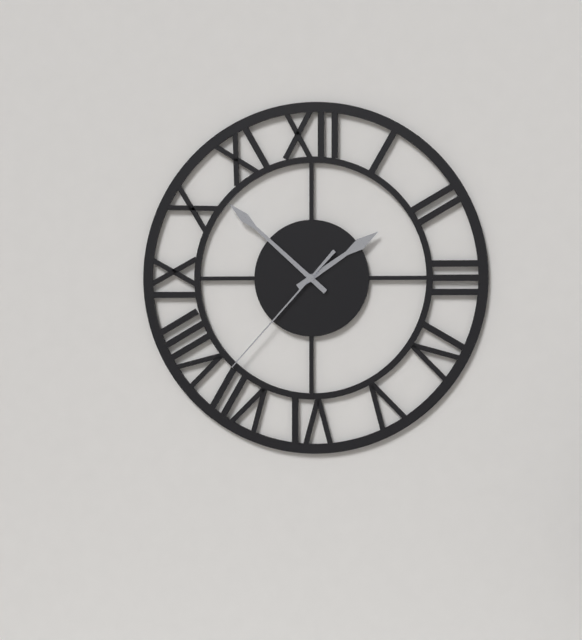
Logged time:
h=1 m=52 s=37
